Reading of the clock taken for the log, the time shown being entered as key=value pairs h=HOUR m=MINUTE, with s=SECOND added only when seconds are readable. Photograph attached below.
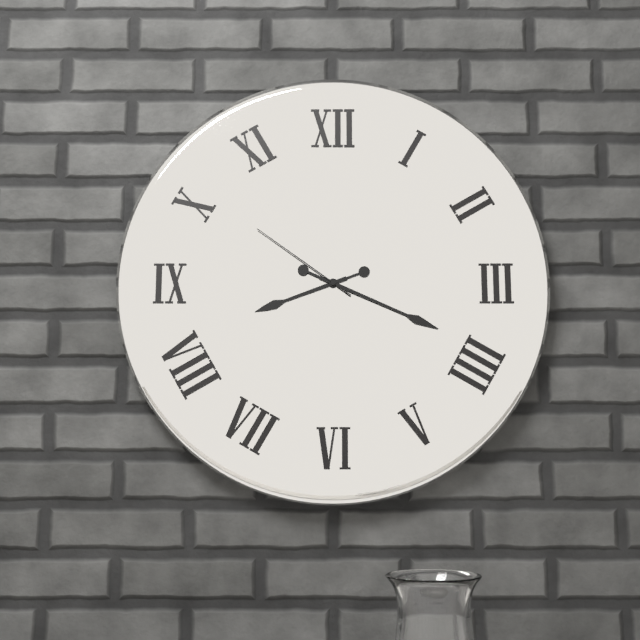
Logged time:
h=8 m=19 s=51
